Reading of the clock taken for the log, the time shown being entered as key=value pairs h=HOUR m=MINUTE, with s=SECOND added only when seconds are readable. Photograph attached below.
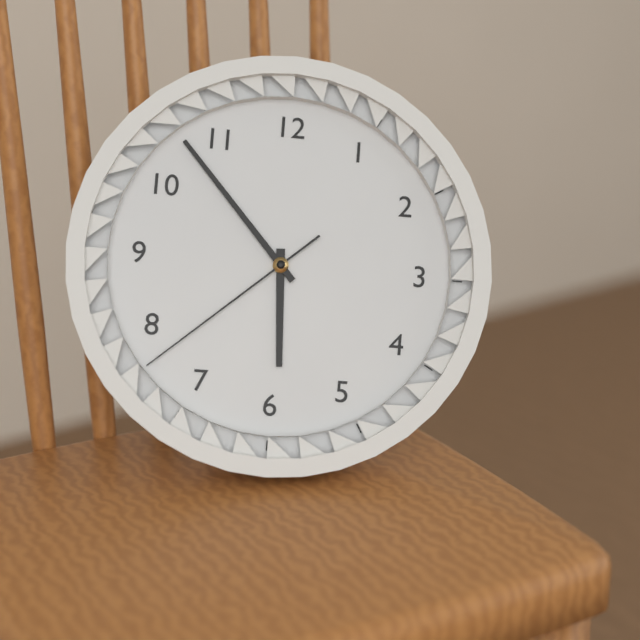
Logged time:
h=5 m=53 s=38
